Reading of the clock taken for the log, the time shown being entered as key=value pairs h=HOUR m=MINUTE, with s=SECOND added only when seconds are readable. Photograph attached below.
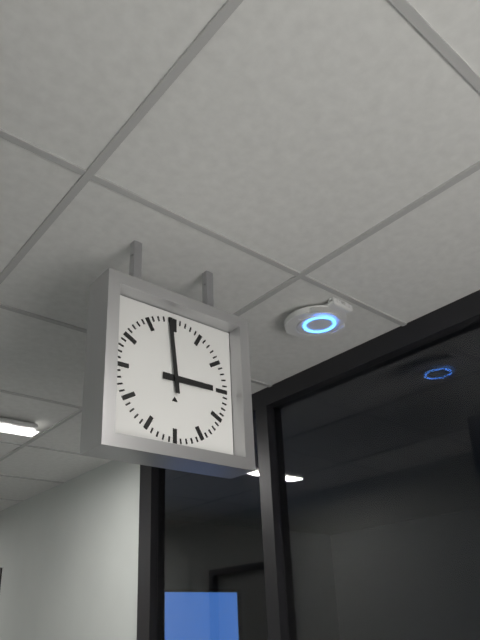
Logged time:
h=2 m=59
